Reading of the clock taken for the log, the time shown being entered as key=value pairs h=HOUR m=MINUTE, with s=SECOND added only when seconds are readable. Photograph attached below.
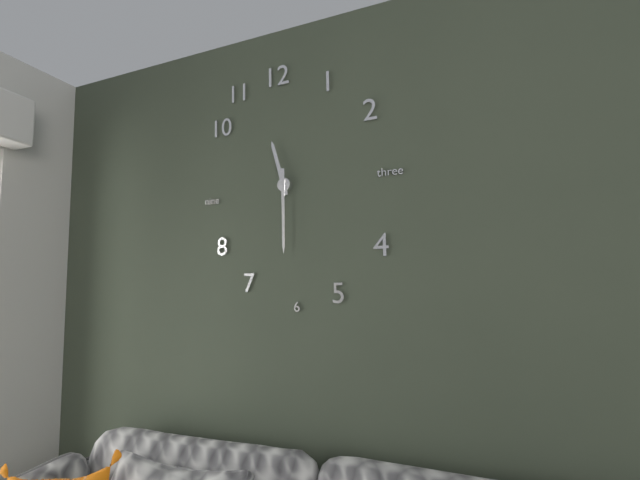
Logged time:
h=11 m=30
